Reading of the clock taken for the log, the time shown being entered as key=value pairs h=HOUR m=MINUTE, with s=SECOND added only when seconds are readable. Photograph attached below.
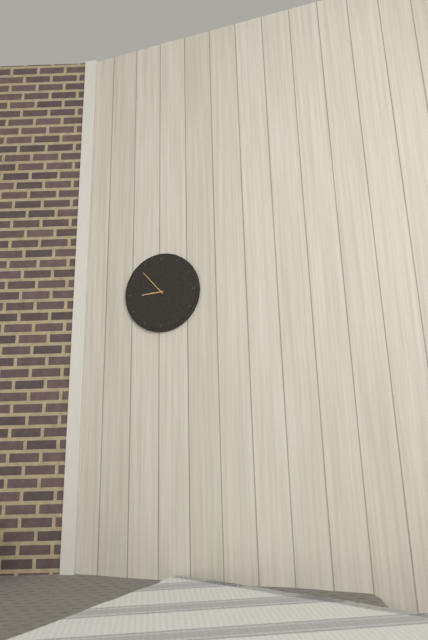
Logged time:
h=8 m=53
